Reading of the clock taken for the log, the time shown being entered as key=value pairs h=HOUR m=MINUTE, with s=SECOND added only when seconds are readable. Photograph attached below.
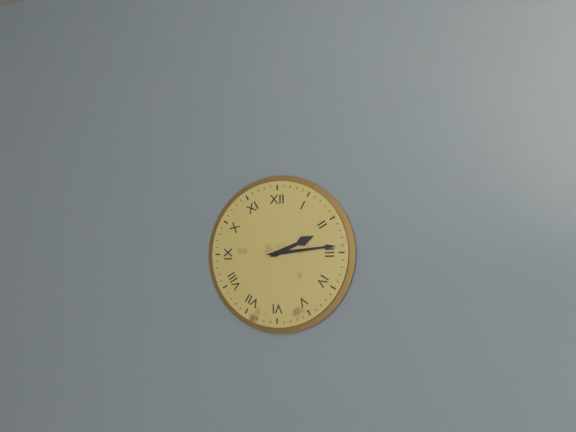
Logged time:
h=2 m=14
